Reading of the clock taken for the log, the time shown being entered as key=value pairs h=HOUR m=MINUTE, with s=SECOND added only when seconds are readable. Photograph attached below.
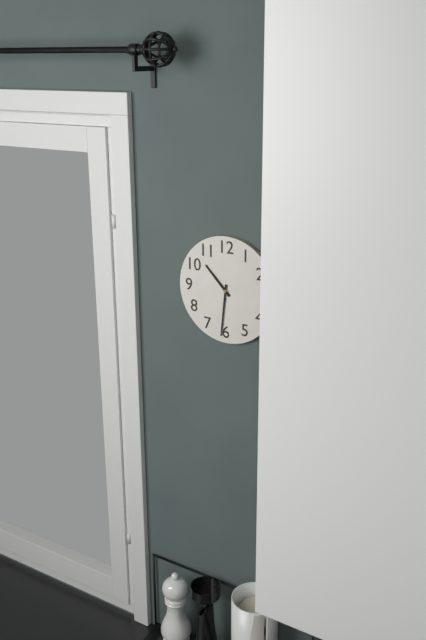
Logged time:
h=10 m=31
